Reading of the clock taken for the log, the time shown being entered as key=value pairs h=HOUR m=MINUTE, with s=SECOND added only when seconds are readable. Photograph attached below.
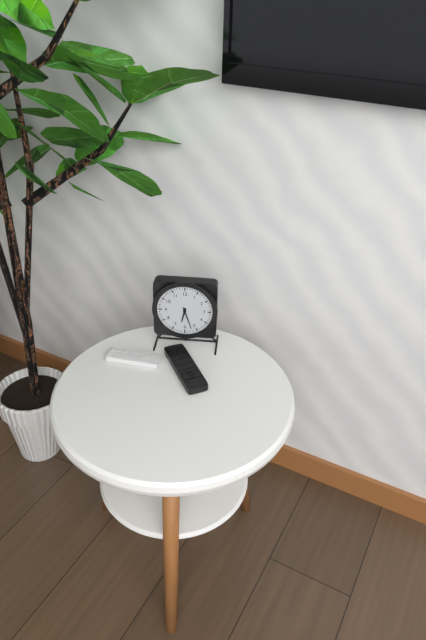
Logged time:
h=6 m=27
